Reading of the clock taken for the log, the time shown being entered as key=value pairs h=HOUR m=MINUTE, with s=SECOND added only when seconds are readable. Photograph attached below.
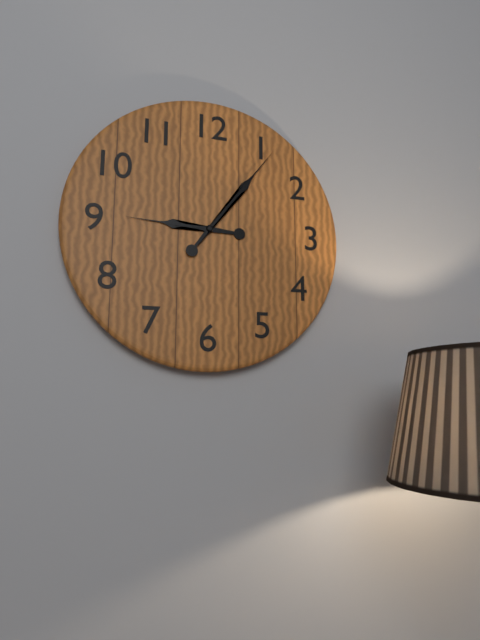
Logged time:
h=9 m=6
